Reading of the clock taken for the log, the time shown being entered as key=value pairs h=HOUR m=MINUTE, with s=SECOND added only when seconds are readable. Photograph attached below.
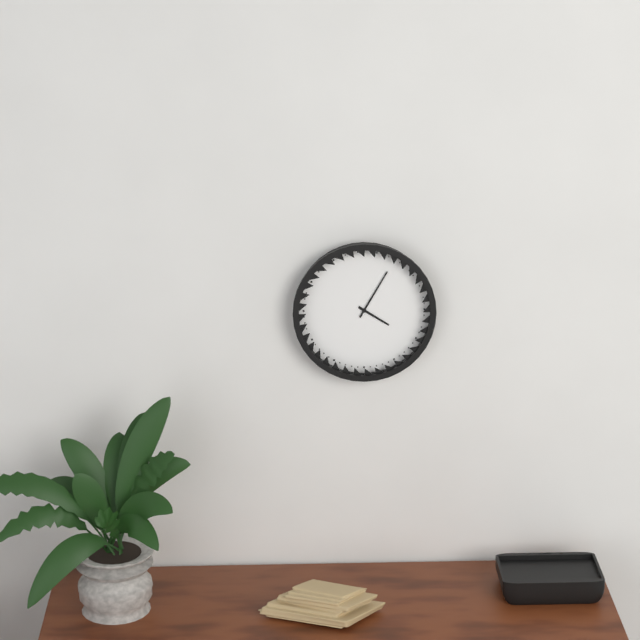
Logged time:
h=4 m=5
